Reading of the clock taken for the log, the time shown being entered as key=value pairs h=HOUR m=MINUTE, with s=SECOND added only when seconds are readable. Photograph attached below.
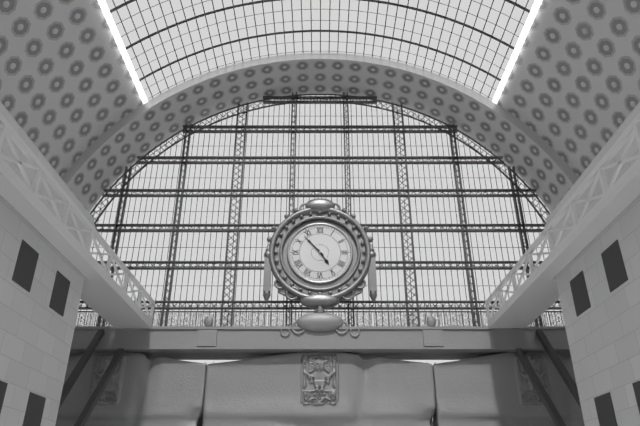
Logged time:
h=4 m=53
